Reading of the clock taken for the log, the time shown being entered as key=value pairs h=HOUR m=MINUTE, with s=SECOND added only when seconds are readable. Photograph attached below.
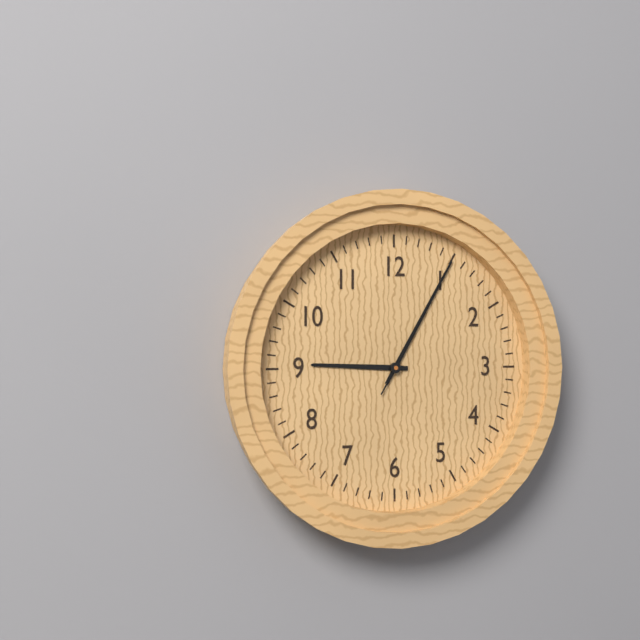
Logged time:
h=9 m=5 s=5
